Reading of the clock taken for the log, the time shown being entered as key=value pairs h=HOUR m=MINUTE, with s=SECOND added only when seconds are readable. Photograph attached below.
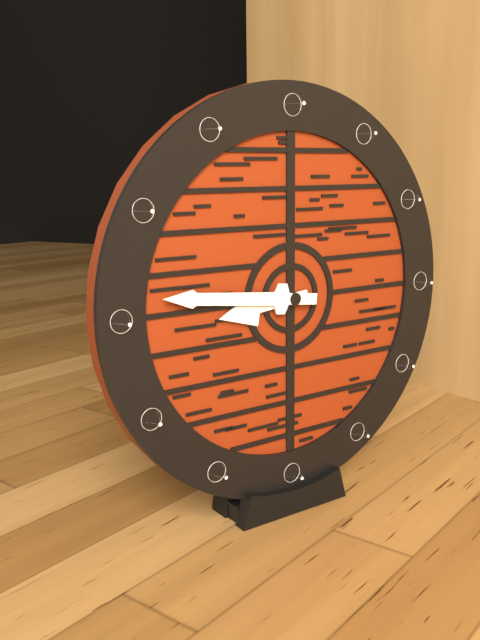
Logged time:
h=8 m=46
